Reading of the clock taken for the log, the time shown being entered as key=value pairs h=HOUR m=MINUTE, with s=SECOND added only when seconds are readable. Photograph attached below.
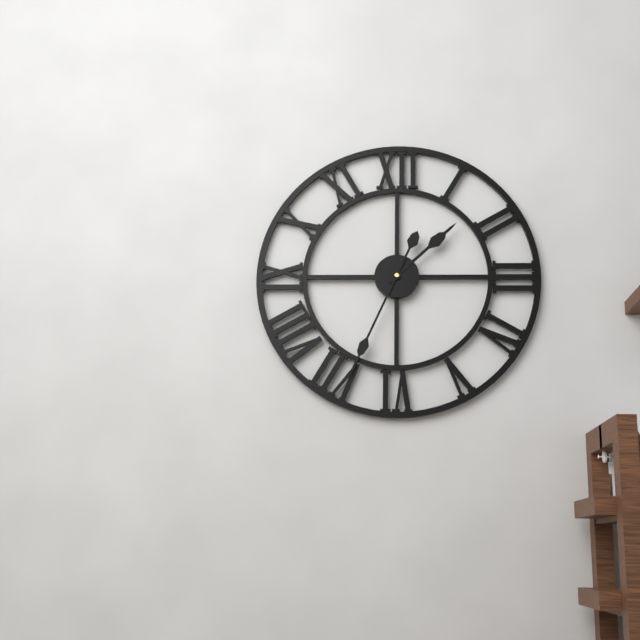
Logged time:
h=1 m=34
